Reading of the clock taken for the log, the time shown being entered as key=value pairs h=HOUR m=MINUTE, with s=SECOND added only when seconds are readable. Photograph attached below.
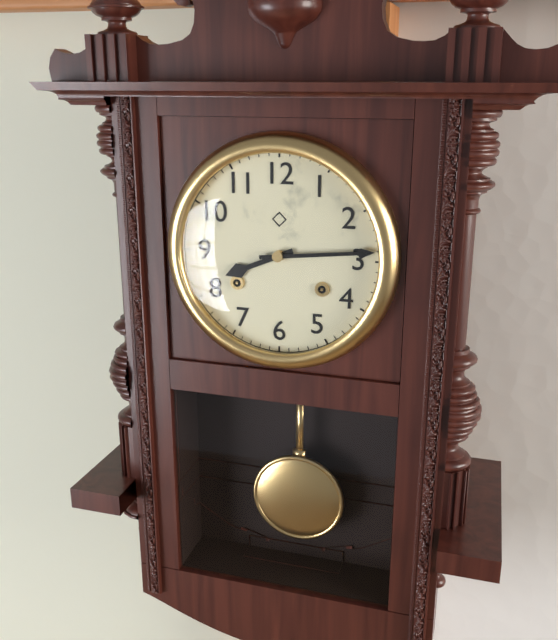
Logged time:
h=8 m=14
